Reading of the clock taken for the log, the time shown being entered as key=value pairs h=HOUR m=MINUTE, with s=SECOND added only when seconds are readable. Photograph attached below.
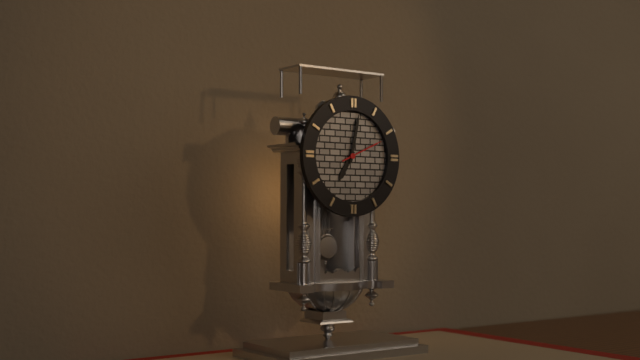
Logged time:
h=7 m=2
